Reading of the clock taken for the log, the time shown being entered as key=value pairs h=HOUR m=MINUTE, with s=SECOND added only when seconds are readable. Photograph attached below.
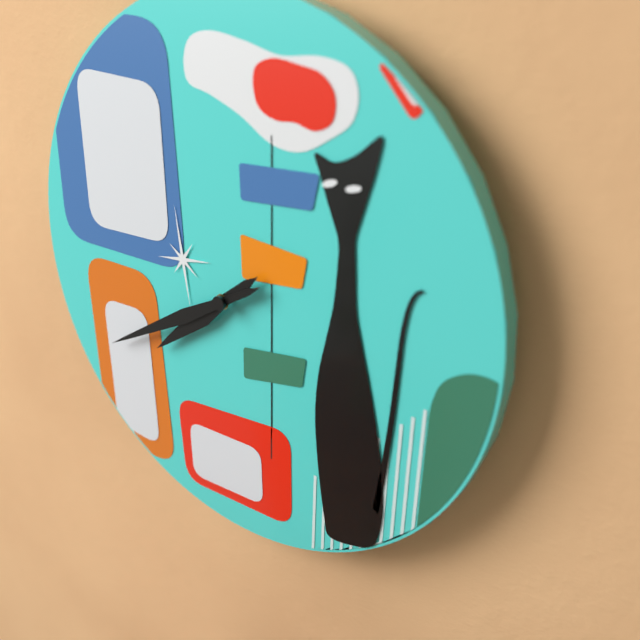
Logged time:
h=7 m=40
